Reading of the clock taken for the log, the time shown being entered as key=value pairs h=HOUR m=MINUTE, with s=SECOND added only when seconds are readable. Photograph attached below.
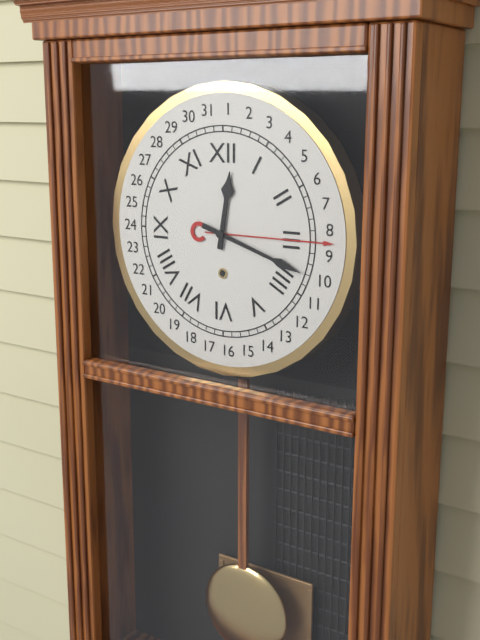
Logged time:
h=12 m=18
